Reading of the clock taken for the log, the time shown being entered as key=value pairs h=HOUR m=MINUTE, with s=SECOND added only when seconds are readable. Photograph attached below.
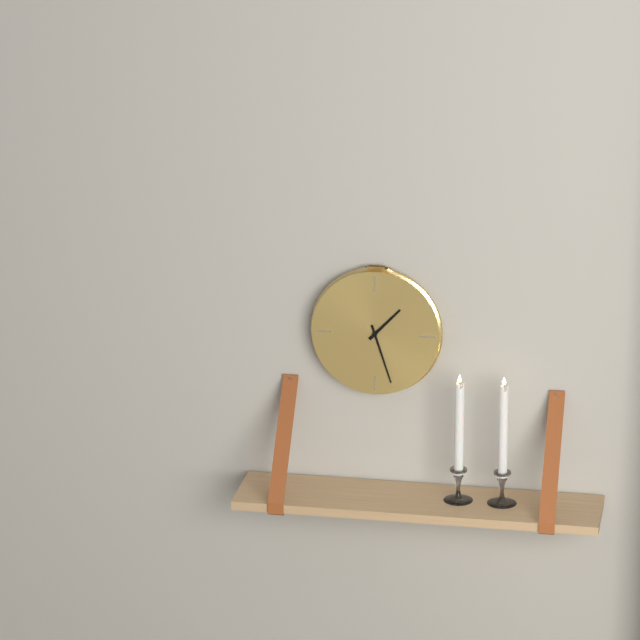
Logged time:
h=1 m=27
